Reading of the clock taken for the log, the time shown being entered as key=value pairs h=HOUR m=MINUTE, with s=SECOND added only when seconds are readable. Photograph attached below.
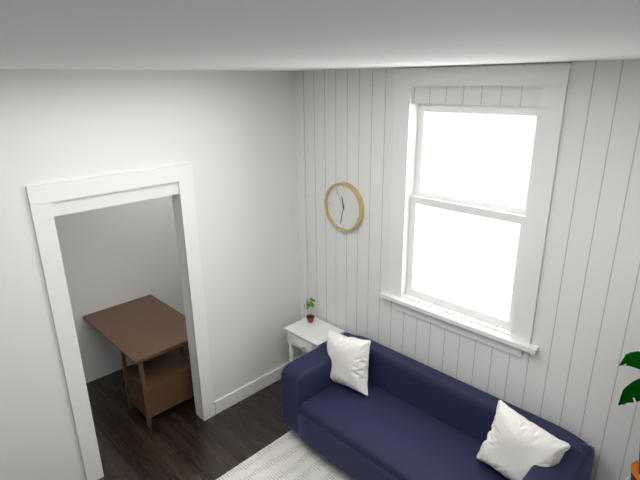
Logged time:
h=11 m=32
